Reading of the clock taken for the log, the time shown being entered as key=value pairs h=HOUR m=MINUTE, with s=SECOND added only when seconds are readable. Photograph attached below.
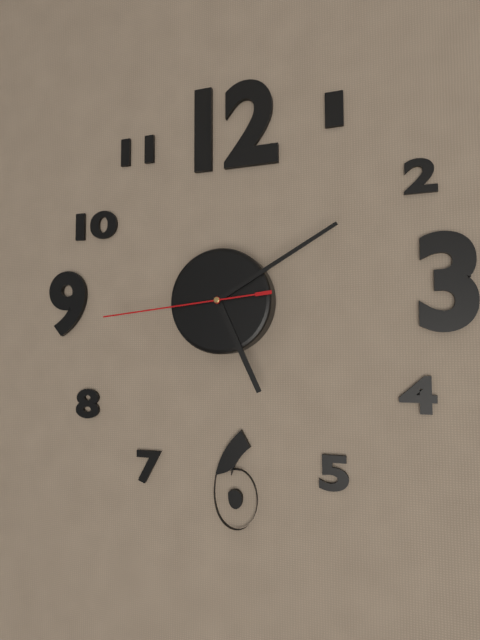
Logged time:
h=5 m=10 s=44
